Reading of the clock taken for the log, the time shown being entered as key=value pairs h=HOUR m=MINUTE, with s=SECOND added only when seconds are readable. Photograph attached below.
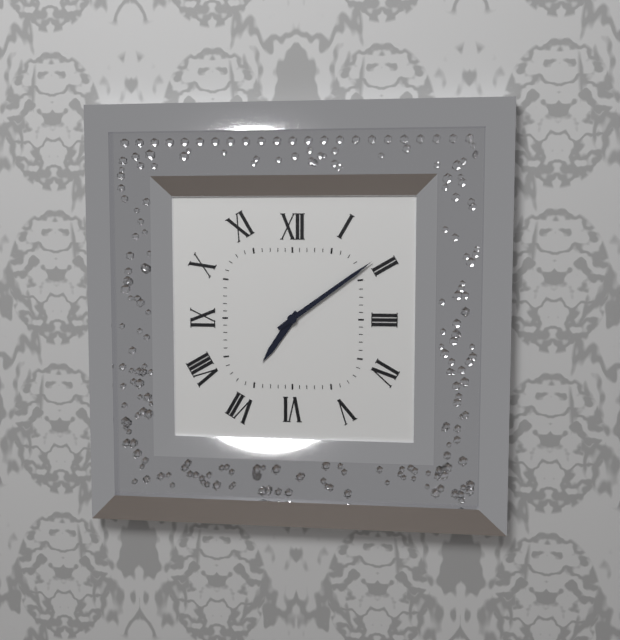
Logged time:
h=7 m=9
